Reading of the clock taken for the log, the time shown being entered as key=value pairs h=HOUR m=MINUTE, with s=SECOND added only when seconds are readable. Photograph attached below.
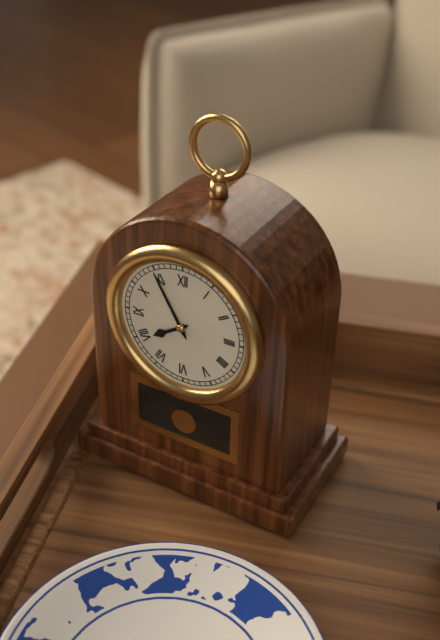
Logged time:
h=7 m=55
